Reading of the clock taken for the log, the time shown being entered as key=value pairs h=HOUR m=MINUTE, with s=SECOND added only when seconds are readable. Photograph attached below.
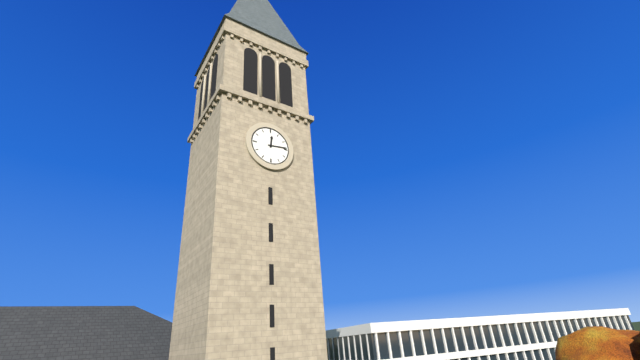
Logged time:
h=12 m=14
